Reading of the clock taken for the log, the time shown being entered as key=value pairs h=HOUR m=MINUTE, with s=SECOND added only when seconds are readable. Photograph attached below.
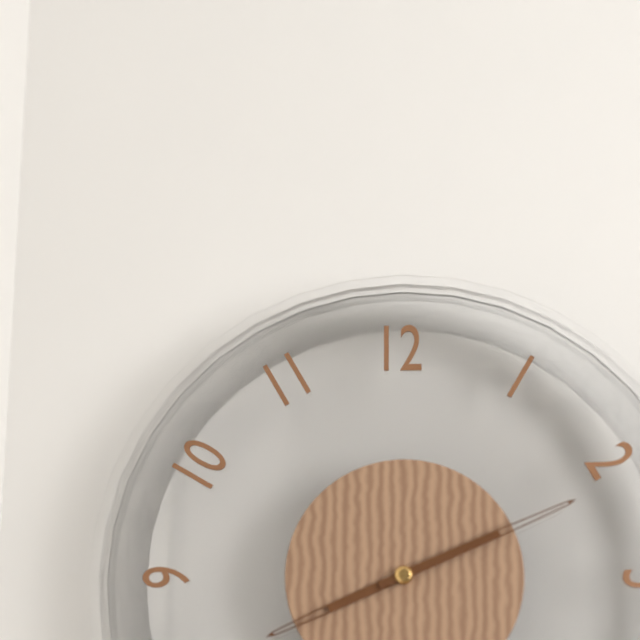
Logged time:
h=8 m=11
